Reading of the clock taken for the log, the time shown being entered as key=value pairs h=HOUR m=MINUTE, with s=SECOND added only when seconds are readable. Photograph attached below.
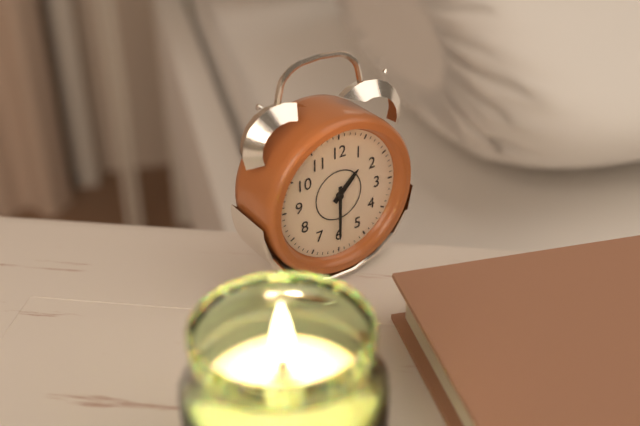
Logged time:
h=1 m=30
